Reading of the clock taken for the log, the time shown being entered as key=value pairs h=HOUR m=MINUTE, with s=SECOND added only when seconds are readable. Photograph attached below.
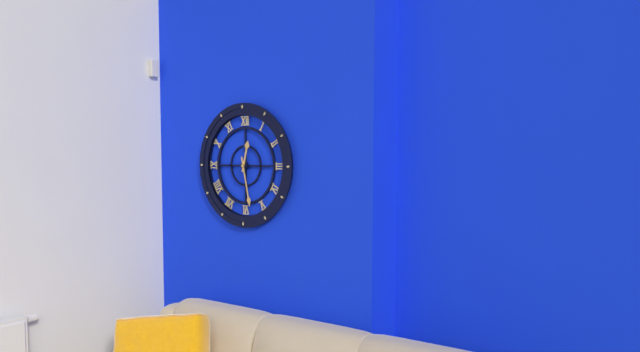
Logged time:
h=12 m=28
